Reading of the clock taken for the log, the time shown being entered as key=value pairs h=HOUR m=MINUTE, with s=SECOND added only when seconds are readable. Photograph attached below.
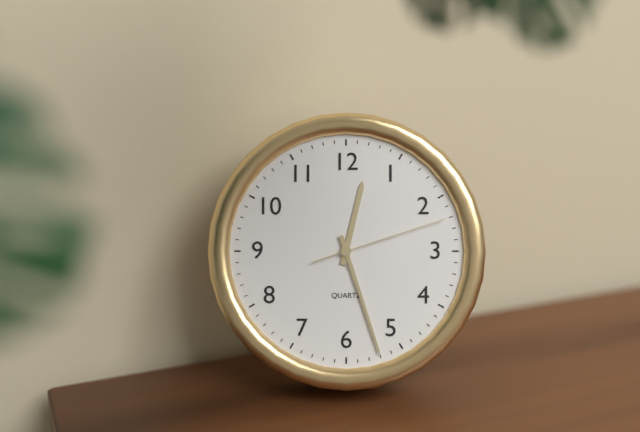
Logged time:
h=12 m=27 s=12
